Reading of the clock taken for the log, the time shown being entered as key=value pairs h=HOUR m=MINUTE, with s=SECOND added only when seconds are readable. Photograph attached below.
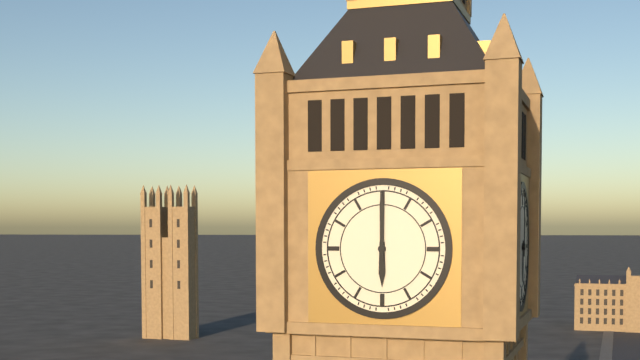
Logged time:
h=6 m=0
